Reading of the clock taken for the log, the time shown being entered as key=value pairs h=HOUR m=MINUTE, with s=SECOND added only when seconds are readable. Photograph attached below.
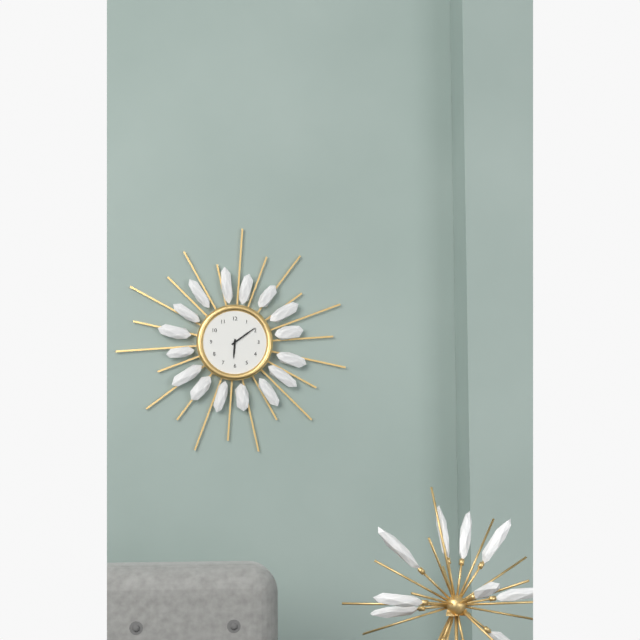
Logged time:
h=6 m=9
